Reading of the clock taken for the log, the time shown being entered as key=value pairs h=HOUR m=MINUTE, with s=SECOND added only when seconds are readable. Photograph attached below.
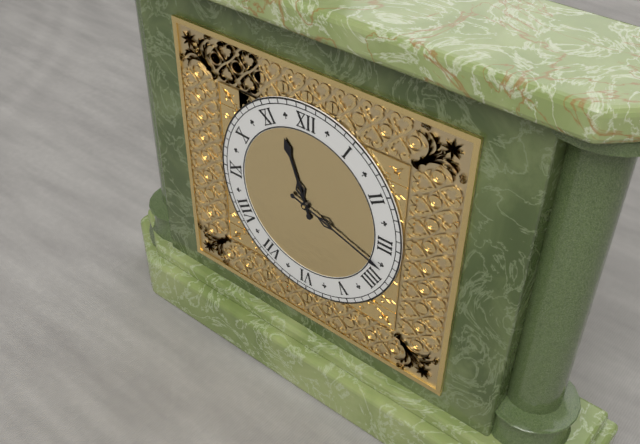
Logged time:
h=11 m=18
